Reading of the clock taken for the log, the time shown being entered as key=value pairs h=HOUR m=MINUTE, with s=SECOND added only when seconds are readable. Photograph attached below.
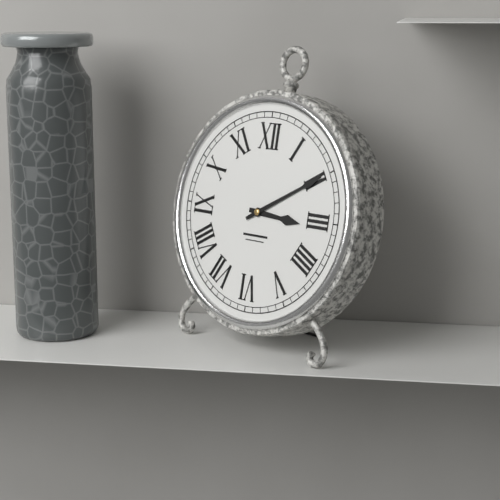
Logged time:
h=3 m=10
